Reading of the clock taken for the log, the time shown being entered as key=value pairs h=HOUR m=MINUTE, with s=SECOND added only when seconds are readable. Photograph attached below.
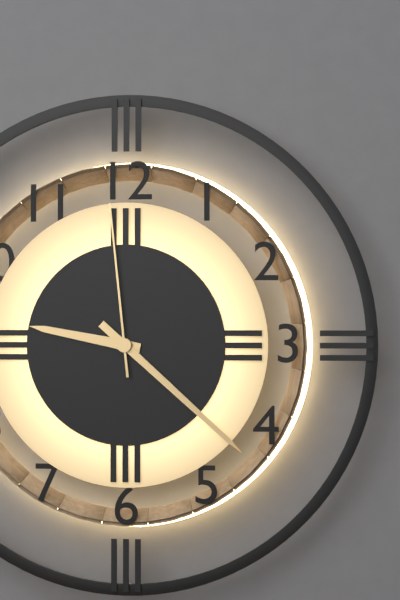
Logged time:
h=9 m=22 s=59
